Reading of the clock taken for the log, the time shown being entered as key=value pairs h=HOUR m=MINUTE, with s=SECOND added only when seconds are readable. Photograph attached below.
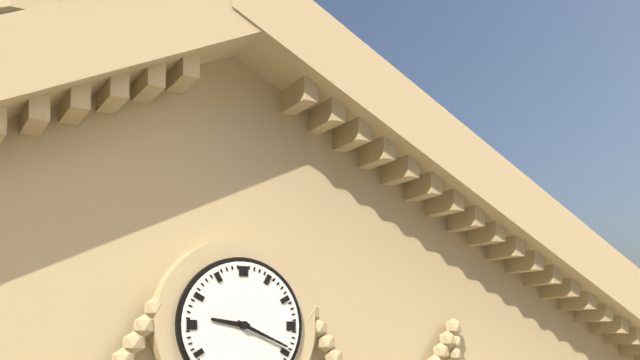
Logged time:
h=9 m=19
